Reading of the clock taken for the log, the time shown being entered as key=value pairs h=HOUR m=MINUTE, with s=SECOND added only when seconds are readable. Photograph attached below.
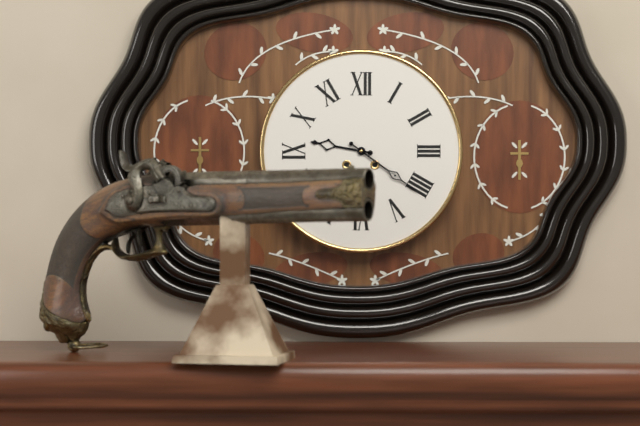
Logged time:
h=9 m=21
